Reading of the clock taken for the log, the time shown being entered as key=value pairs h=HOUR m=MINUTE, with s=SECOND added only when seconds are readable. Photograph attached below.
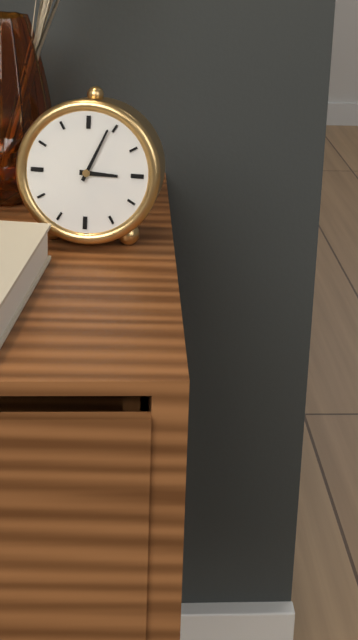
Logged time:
h=3 m=4
